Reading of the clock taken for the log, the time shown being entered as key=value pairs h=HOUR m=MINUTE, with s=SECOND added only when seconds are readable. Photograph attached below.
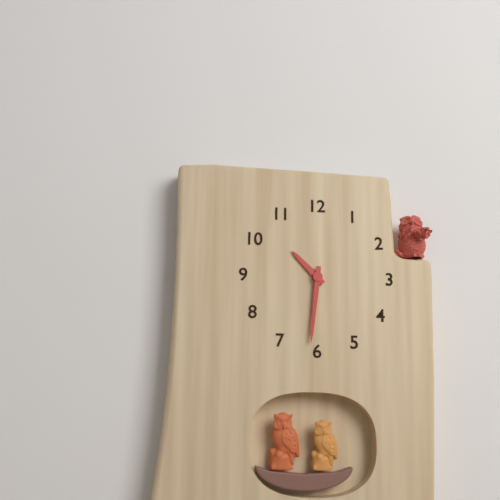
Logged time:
h=10 m=31
